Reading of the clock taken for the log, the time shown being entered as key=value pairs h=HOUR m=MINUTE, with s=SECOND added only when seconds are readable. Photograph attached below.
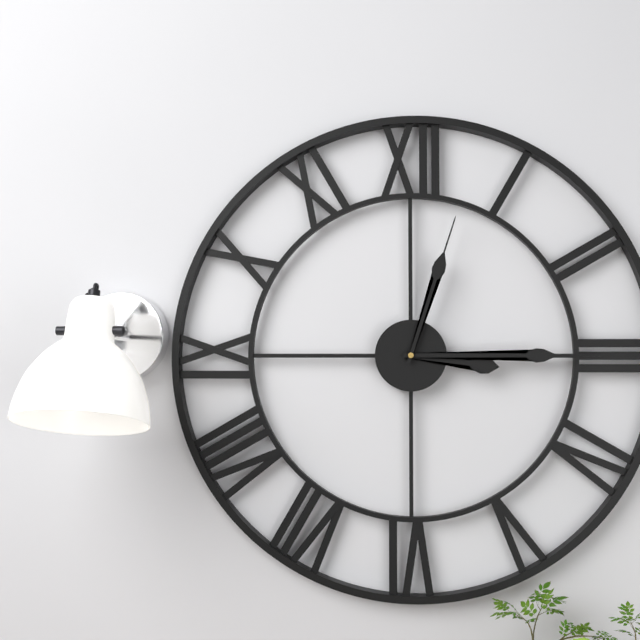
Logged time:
h=3 m=15 s=3
